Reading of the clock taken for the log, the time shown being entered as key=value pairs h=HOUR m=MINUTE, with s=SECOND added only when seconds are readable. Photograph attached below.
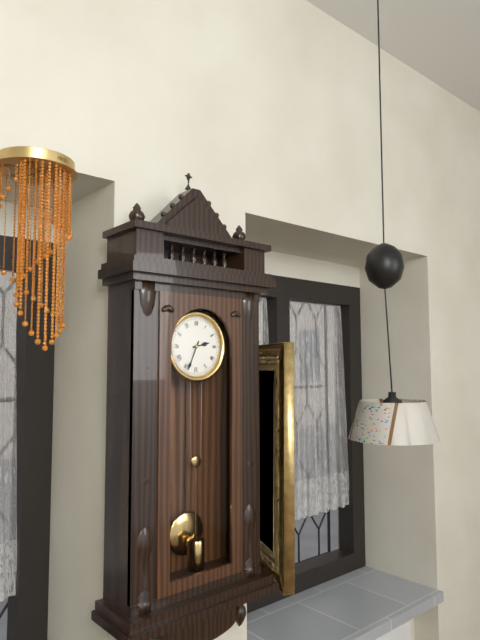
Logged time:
h=2 m=34
